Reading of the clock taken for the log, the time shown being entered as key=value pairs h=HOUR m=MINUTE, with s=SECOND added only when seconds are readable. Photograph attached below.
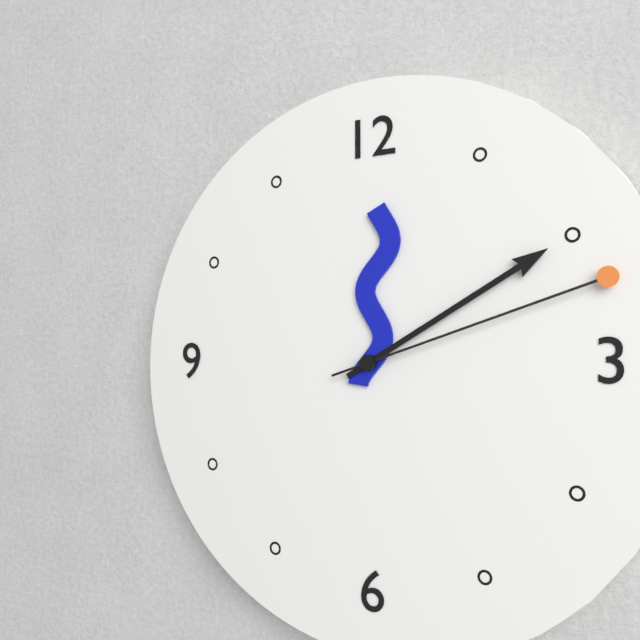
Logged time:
h=12 m=10 s=12
